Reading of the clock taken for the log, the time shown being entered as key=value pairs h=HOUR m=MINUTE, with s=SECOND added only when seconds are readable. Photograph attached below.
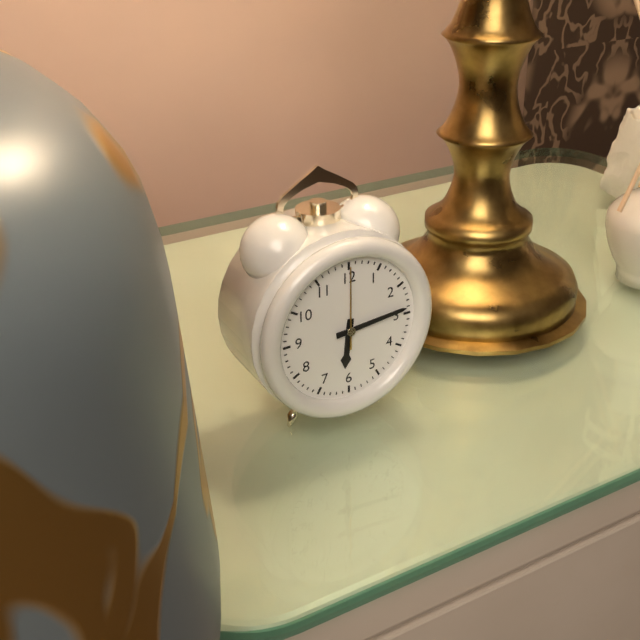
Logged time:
h=6 m=14 s=0
